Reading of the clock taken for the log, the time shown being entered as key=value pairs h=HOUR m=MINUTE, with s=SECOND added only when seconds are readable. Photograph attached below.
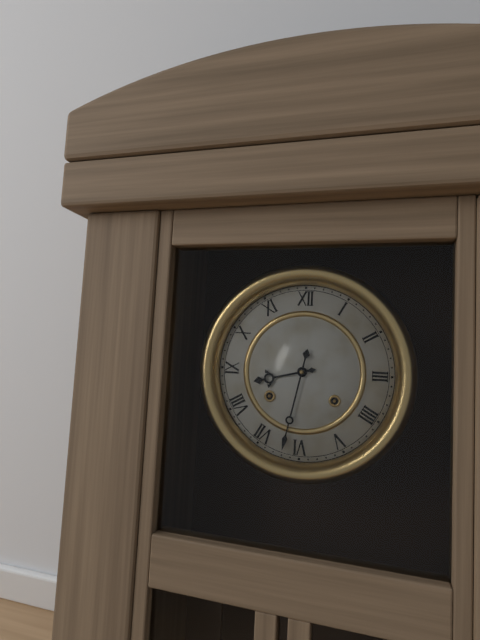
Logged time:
h=8 m=32
